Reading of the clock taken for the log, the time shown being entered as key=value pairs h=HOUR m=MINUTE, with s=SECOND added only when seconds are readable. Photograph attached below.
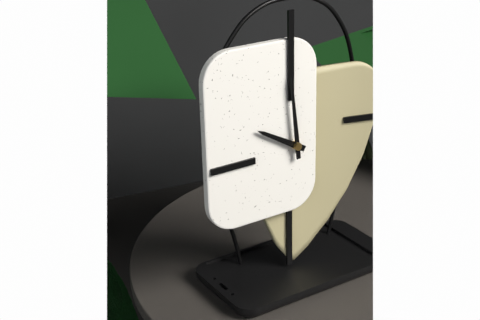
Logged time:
h=9 m=59
